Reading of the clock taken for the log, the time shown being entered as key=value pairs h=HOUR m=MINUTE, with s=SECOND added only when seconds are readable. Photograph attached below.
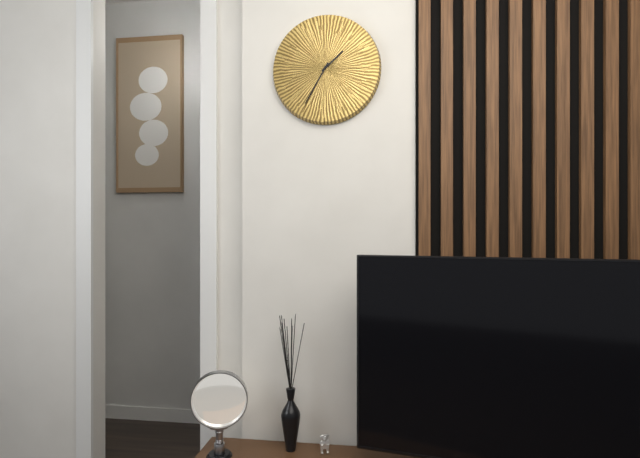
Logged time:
h=1 m=35
